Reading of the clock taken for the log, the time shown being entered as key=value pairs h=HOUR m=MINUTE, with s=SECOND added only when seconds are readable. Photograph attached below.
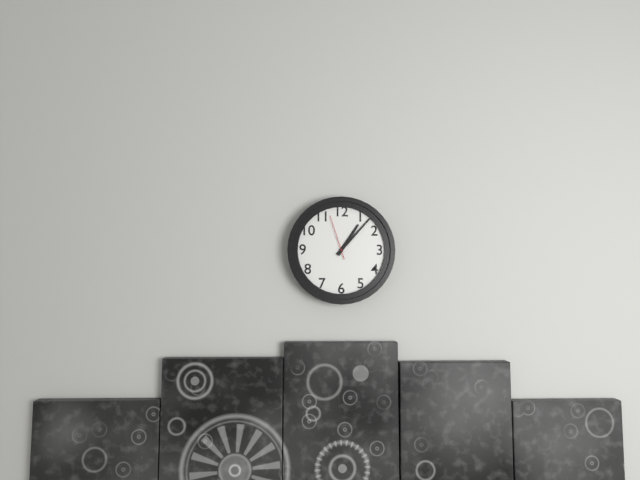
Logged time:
h=1 m=7
